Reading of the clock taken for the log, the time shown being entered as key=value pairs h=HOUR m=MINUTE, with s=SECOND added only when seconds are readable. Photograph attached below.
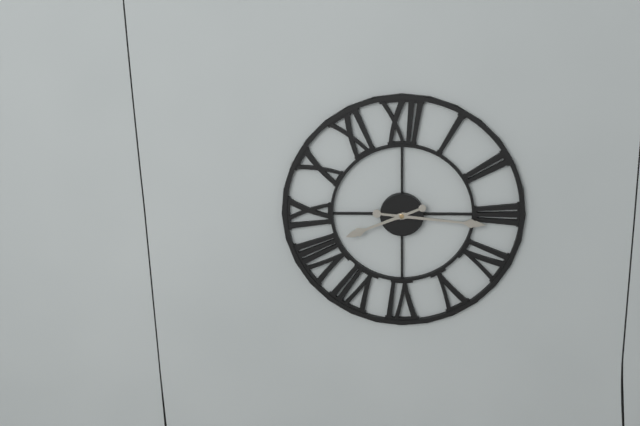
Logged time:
h=8 m=16
